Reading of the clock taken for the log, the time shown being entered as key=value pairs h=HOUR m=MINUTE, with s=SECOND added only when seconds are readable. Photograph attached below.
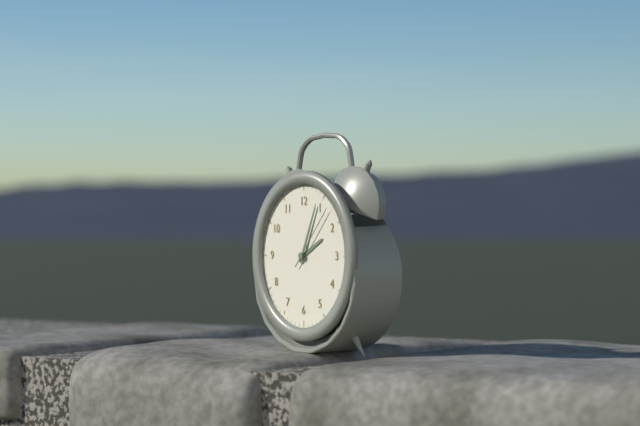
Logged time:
h=2 m=4 s=7
